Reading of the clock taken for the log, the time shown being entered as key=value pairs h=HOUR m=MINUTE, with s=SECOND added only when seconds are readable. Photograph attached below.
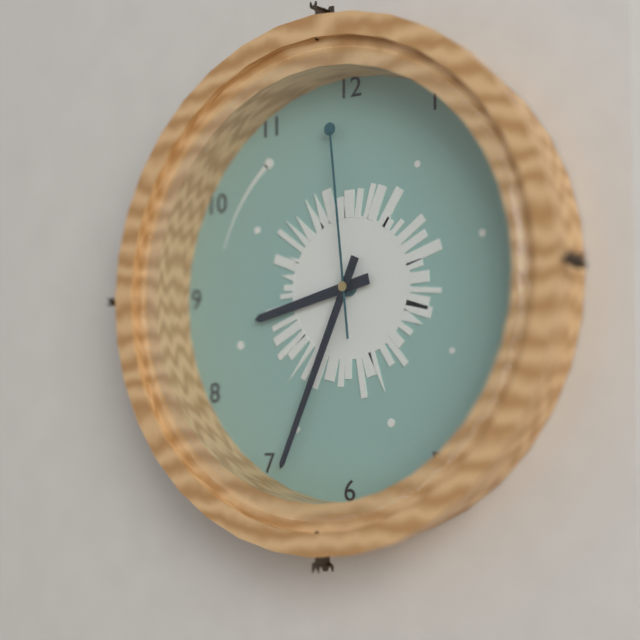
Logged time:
h=8 m=34 s=59
